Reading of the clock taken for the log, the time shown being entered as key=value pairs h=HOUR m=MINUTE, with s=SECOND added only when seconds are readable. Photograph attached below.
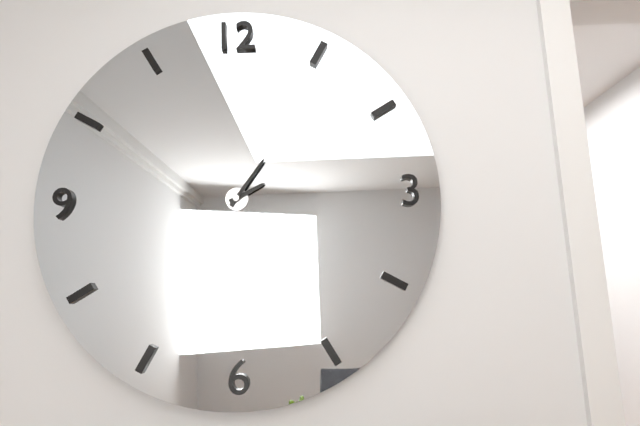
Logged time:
h=2 m=6
